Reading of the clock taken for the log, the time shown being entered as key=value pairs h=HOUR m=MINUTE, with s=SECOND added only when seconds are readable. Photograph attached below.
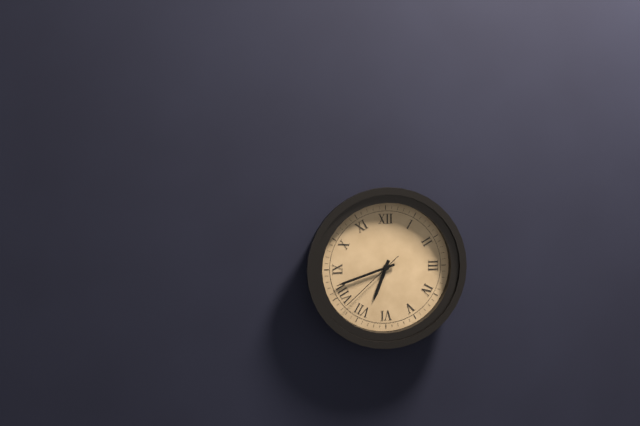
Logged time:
h=6 m=42 s=38
